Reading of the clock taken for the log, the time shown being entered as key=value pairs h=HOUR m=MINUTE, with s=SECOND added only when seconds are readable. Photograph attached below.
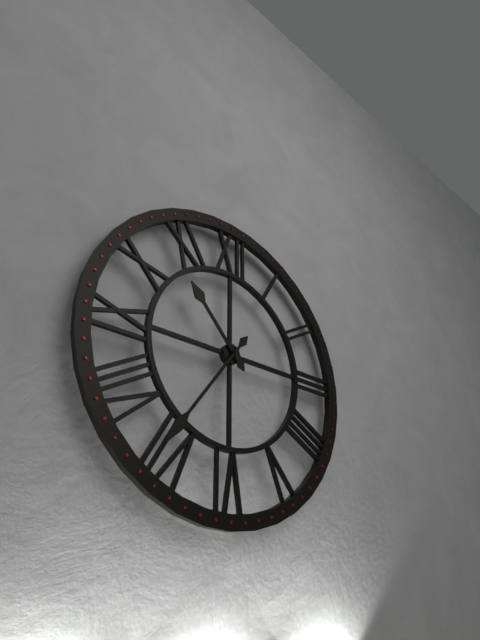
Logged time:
h=10 m=36
